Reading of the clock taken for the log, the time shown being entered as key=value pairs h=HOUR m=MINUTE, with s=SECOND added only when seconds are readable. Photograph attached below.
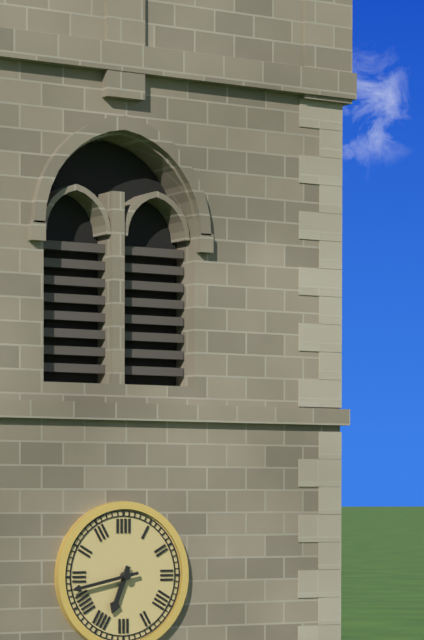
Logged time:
h=6 m=43
